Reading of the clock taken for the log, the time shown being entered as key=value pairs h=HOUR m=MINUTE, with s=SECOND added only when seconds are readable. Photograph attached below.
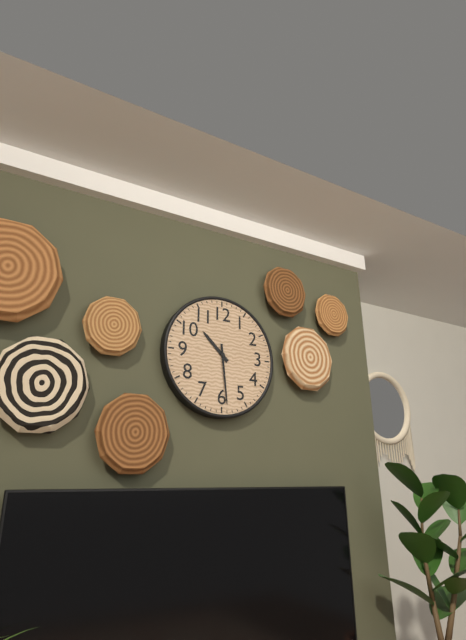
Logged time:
h=10 m=29
